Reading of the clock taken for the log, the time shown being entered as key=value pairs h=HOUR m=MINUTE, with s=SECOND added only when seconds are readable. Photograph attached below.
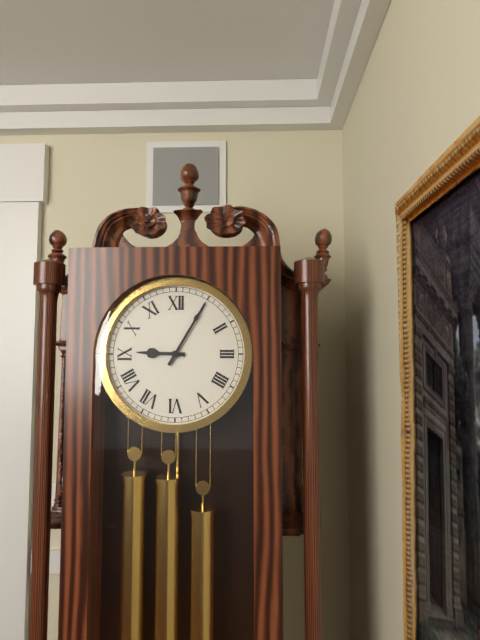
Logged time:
h=9 m=5
